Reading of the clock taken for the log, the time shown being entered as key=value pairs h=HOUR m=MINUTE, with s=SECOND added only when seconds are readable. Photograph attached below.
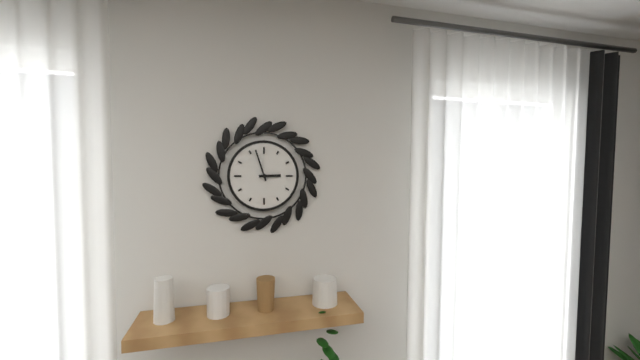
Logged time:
h=2 m=57
